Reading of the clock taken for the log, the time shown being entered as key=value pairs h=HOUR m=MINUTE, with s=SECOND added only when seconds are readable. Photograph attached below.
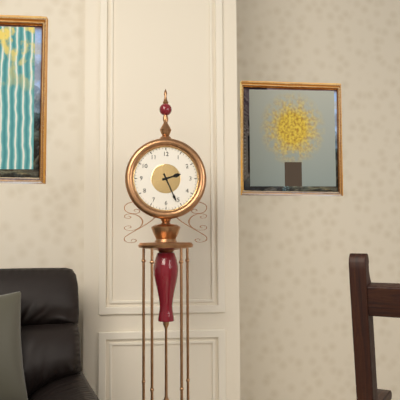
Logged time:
h=2 m=26
